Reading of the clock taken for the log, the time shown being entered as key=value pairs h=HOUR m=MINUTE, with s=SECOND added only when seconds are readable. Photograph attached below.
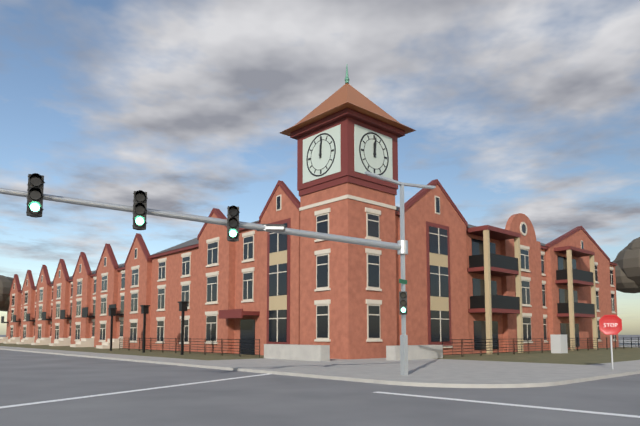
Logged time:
h=12 m=1
